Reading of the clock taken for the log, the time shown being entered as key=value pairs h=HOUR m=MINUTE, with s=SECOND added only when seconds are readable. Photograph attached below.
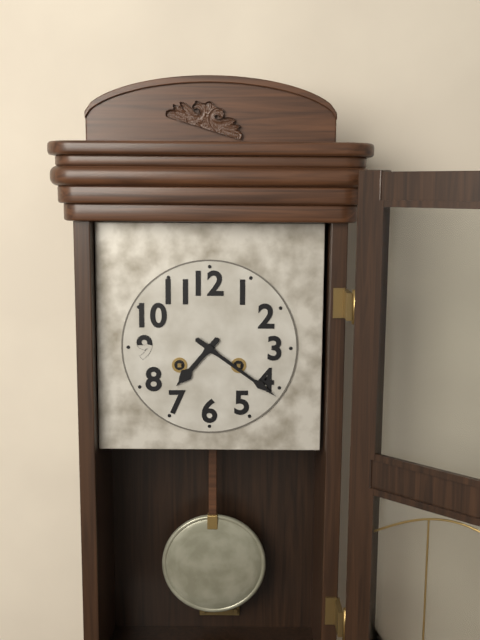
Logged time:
h=7 m=21
